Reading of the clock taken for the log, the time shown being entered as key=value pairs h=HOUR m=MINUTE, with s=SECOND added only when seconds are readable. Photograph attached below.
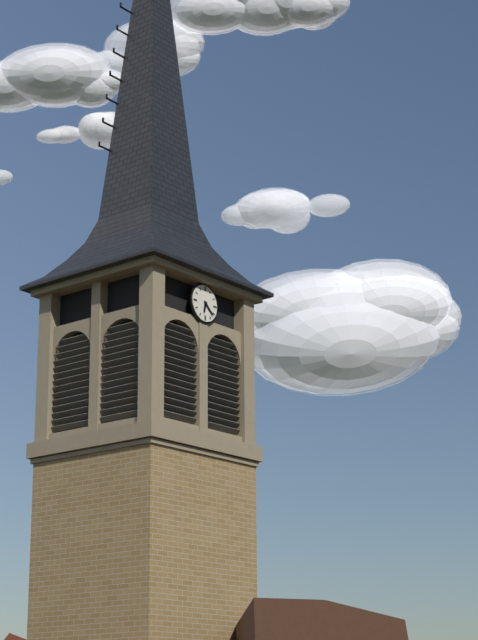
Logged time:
h=6 m=22
